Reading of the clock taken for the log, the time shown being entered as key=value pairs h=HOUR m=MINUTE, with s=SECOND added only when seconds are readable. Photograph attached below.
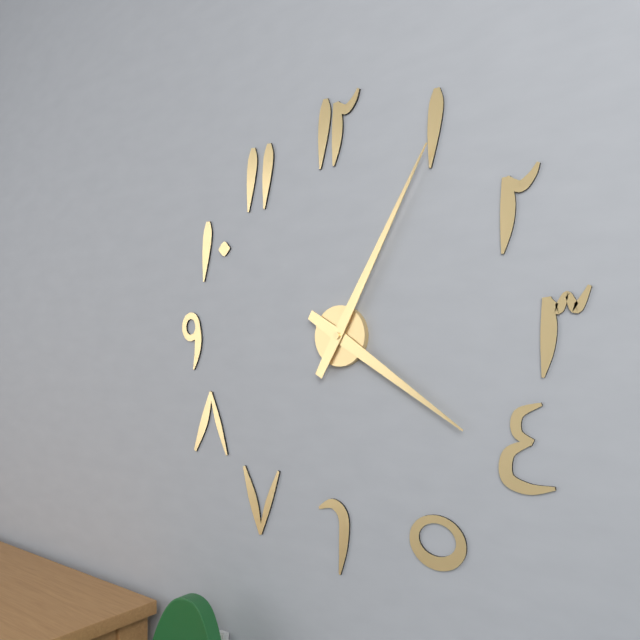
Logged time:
h=4 m=5
